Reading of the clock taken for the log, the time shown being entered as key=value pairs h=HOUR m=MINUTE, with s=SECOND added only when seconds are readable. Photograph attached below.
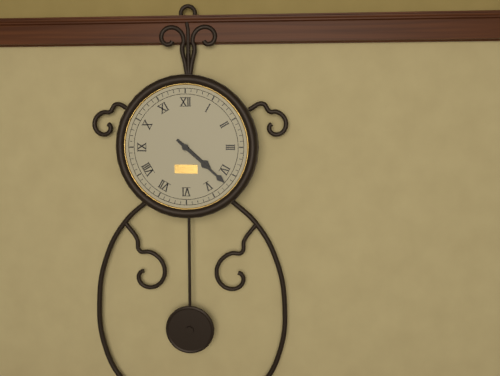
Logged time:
h=4 m=22
